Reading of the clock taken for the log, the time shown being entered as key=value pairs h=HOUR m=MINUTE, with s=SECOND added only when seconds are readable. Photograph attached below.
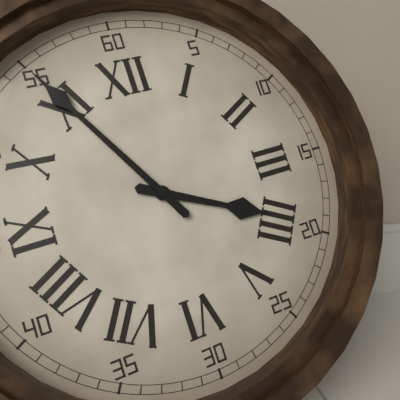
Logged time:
h=3 m=55
